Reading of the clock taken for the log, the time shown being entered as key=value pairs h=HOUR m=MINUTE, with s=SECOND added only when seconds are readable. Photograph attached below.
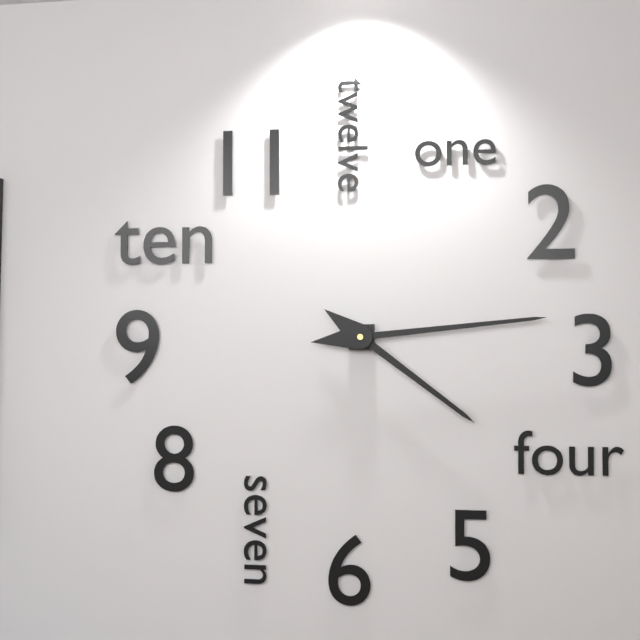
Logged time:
h=4 m=14
